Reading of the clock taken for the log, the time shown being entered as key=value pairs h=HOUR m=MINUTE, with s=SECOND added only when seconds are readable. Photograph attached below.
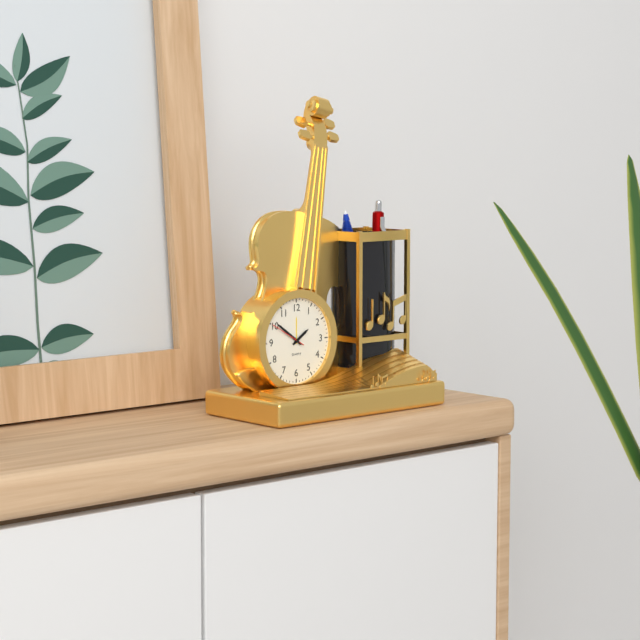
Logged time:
h=1 m=51
